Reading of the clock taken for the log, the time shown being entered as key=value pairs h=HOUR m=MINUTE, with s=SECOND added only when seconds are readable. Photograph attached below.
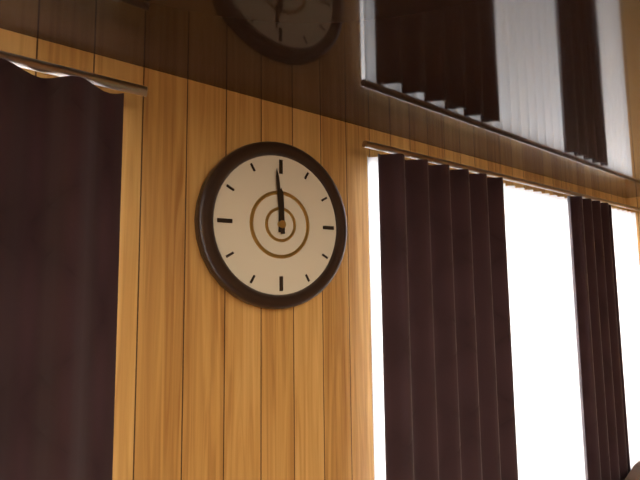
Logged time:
h=11 m=59
